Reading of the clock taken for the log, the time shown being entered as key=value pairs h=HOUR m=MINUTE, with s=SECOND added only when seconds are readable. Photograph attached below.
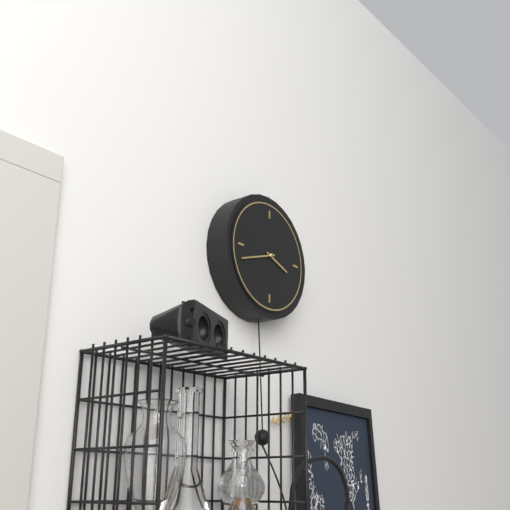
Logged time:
h=3 m=42
